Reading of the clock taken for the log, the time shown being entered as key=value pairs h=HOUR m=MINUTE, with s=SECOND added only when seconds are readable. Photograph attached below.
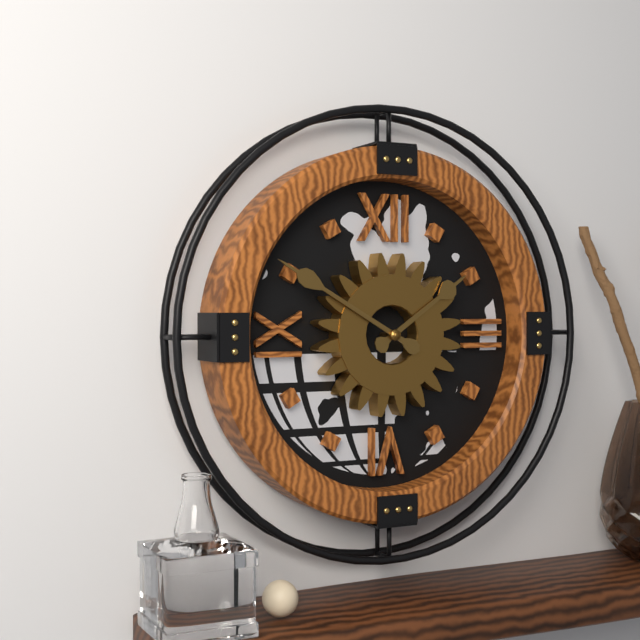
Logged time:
h=1 m=50
